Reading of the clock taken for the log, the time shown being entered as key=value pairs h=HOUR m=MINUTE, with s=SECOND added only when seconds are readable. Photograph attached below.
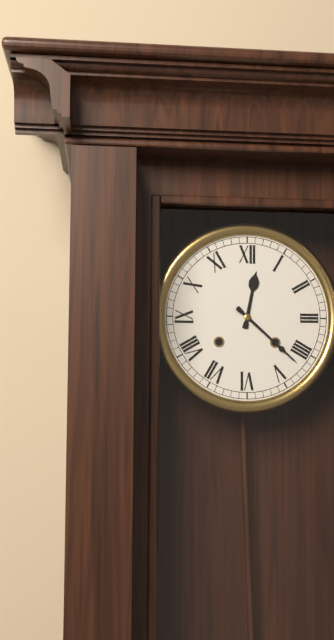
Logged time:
h=12 m=22
